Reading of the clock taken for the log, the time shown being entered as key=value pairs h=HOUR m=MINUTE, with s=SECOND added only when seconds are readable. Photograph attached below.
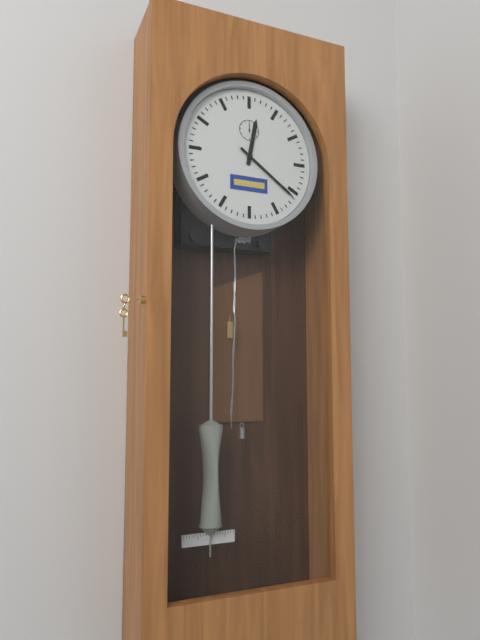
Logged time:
h=12 m=21
